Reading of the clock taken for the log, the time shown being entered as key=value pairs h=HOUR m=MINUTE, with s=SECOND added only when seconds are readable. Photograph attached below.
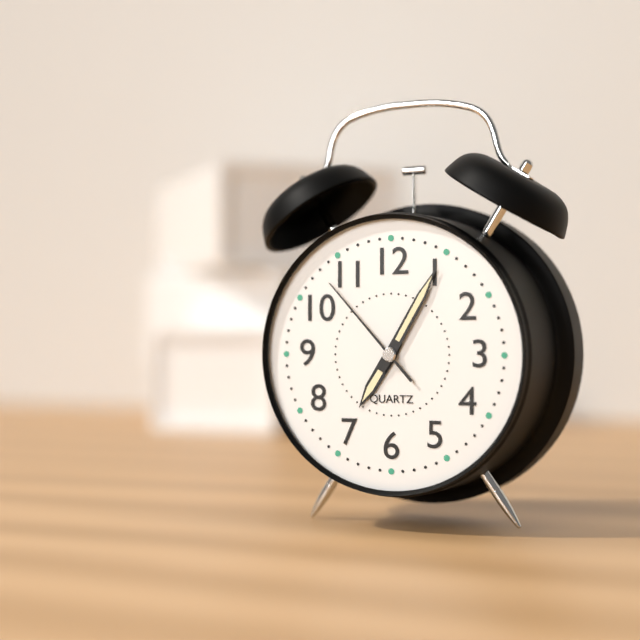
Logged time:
h=7 m=5 s=53
